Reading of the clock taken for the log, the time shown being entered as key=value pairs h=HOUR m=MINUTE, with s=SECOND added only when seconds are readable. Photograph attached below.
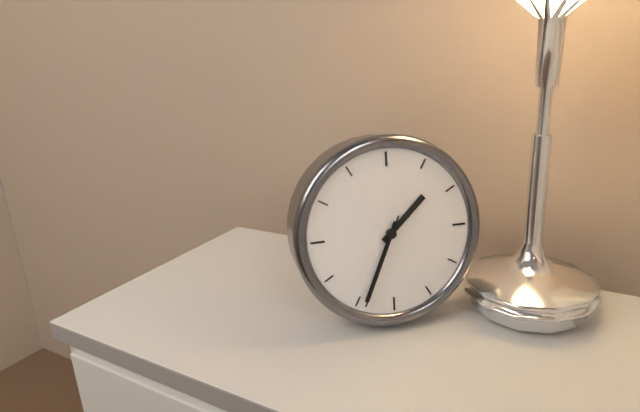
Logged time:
h=1 m=34 s=34
